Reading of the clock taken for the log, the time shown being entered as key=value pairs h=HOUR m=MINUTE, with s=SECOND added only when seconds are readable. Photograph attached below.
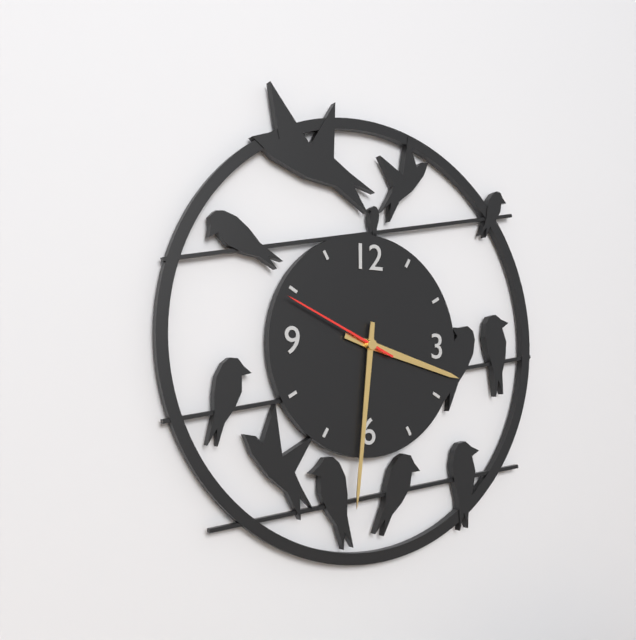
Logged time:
h=3 m=31 s=49
